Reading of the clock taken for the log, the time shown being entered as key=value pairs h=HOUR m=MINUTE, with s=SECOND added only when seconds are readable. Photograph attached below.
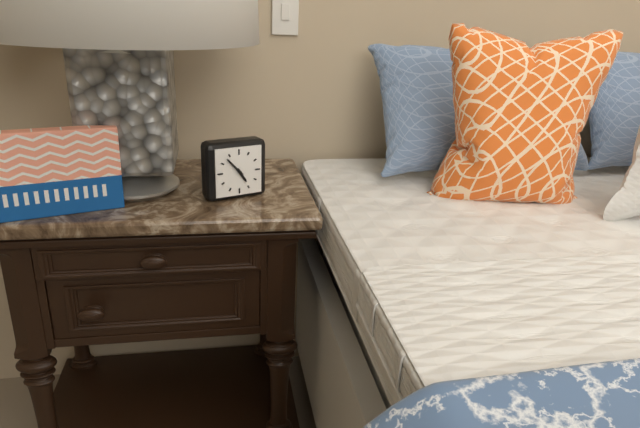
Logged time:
h=4 m=53
